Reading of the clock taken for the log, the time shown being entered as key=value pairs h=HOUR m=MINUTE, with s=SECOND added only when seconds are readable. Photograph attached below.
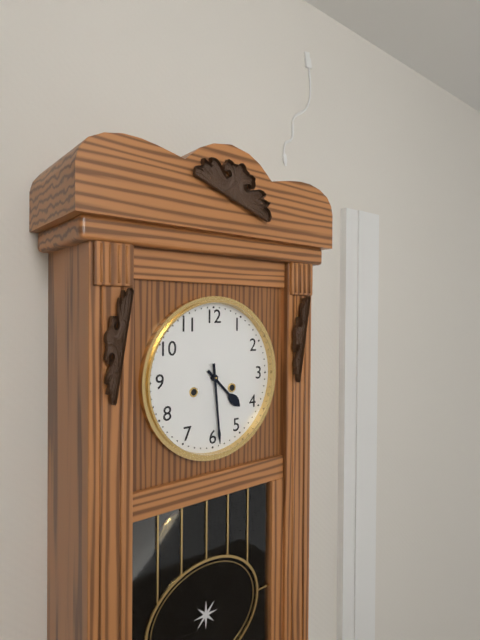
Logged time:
h=4 m=29
